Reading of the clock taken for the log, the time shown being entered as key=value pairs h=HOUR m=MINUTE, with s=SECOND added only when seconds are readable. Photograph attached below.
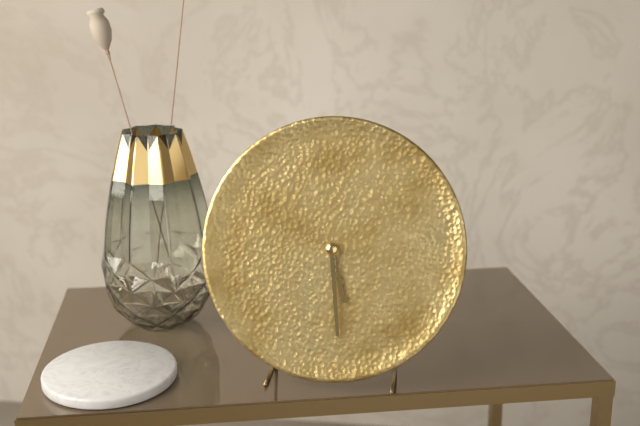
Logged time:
h=5 m=29
